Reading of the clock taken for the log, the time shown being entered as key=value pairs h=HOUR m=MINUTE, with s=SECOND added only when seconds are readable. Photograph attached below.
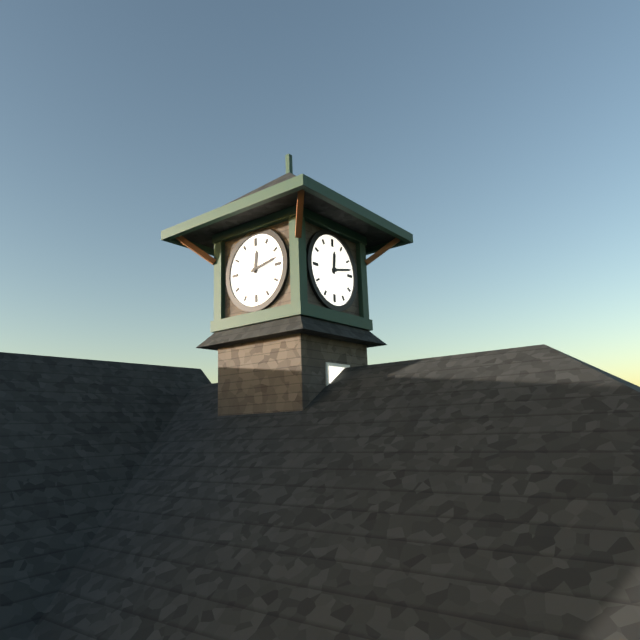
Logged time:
h=12 m=13
